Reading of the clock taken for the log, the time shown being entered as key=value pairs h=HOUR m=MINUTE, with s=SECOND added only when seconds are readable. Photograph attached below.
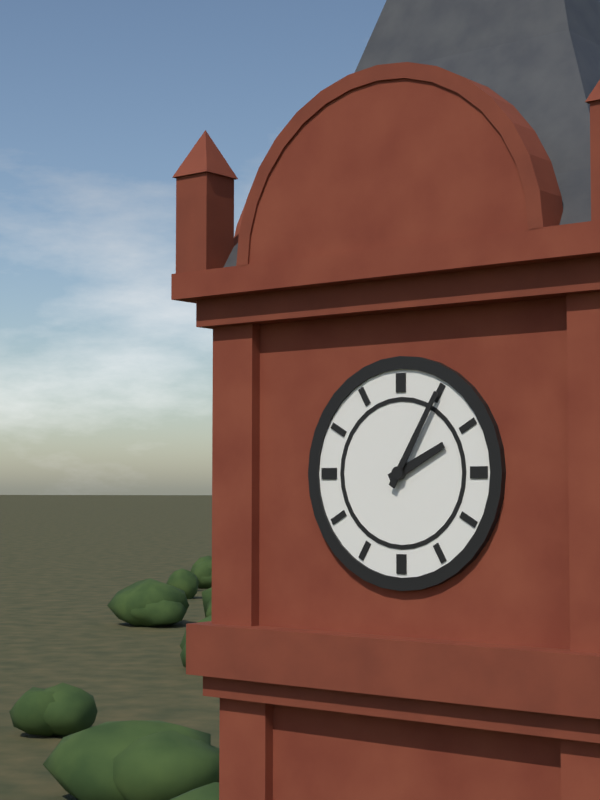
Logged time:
h=2 m=5
